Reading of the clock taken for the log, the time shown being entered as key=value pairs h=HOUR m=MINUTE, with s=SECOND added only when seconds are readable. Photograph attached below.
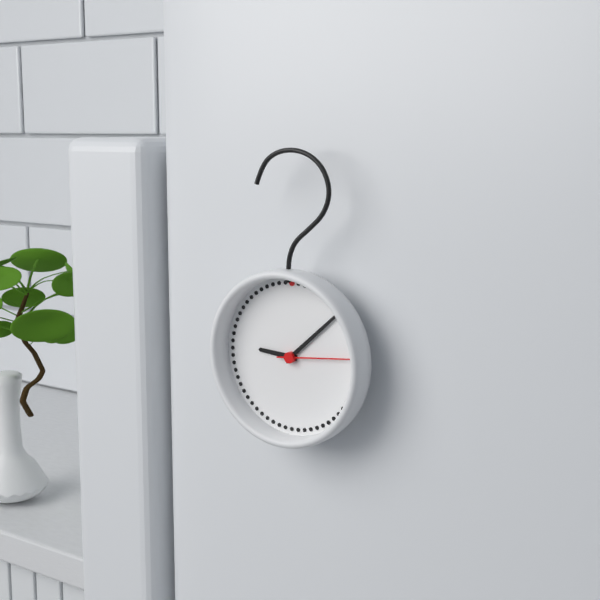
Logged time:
h=9 m=8 s=14
